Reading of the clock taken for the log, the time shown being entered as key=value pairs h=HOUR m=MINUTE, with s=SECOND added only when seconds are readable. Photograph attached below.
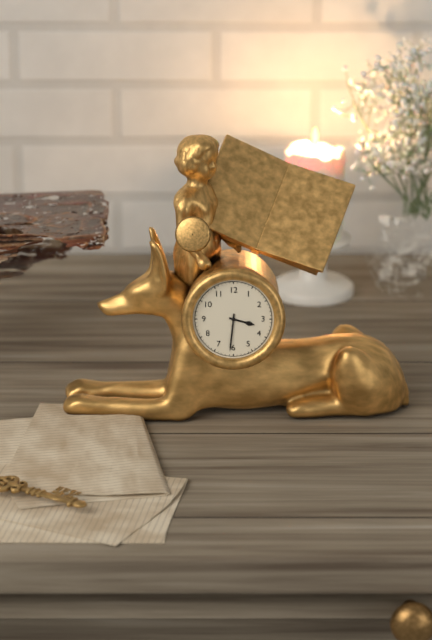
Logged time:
h=3 m=31
